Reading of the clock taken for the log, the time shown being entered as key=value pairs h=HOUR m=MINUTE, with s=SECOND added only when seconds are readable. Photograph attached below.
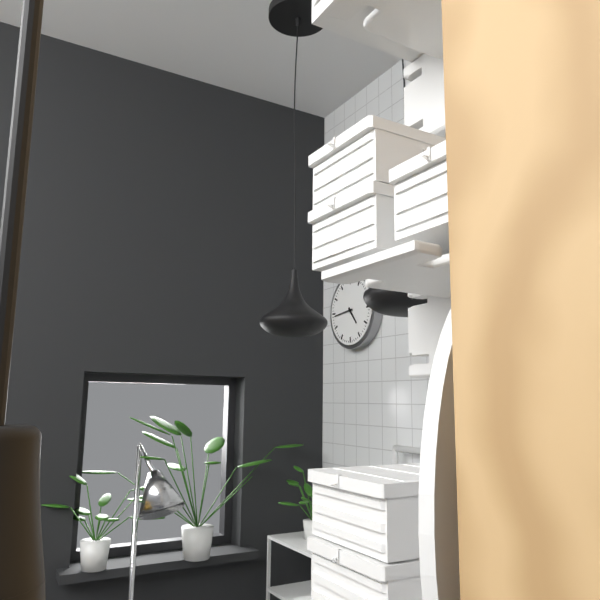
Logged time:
h=4 m=44
